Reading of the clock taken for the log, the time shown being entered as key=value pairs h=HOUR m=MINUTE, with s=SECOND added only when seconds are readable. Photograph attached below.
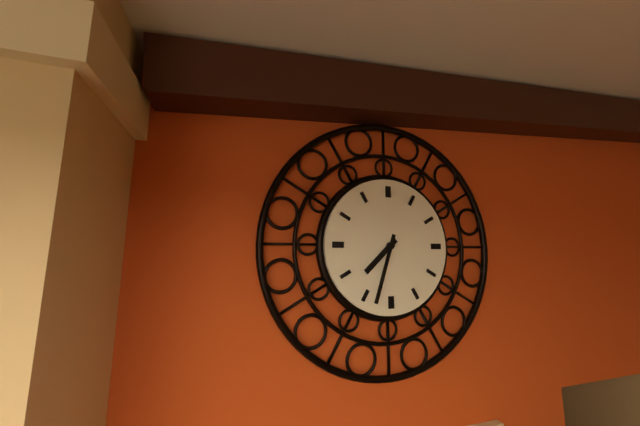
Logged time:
h=7 m=33
